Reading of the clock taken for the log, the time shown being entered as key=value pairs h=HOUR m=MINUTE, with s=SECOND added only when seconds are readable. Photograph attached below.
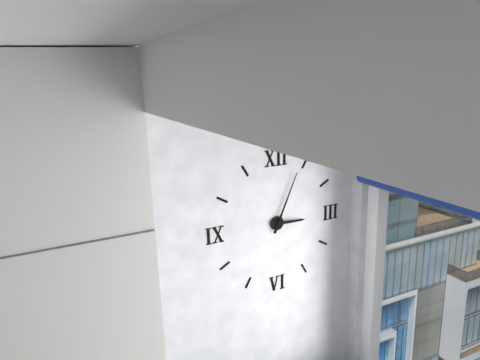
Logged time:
h=3 m=4
